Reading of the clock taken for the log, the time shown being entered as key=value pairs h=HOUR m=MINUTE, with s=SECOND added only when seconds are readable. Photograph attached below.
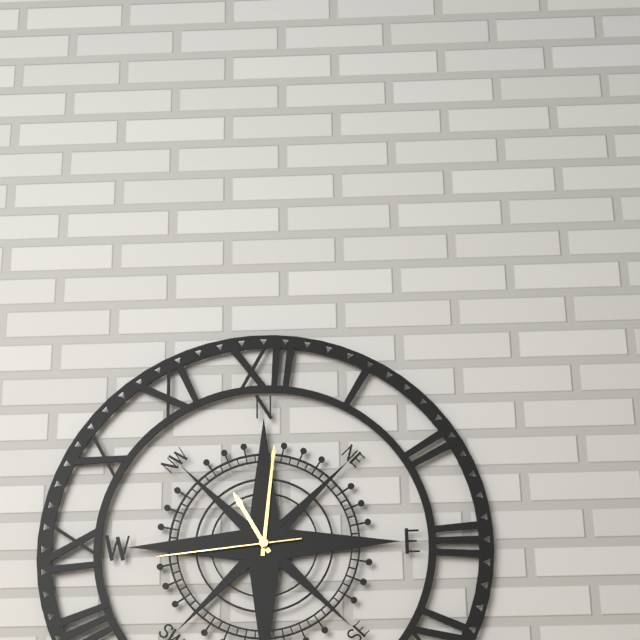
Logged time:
h=11 m=1 s=44
